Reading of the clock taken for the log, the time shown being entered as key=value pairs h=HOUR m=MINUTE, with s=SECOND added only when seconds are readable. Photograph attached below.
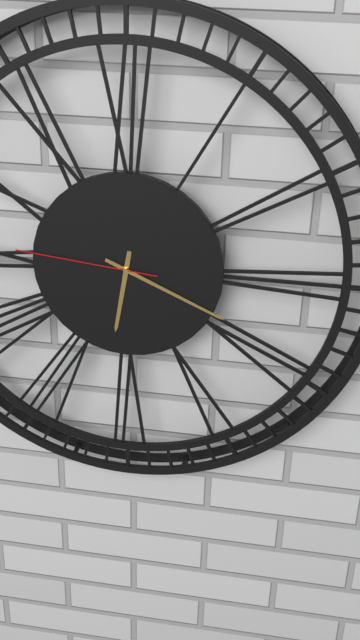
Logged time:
h=6 m=19 s=46
